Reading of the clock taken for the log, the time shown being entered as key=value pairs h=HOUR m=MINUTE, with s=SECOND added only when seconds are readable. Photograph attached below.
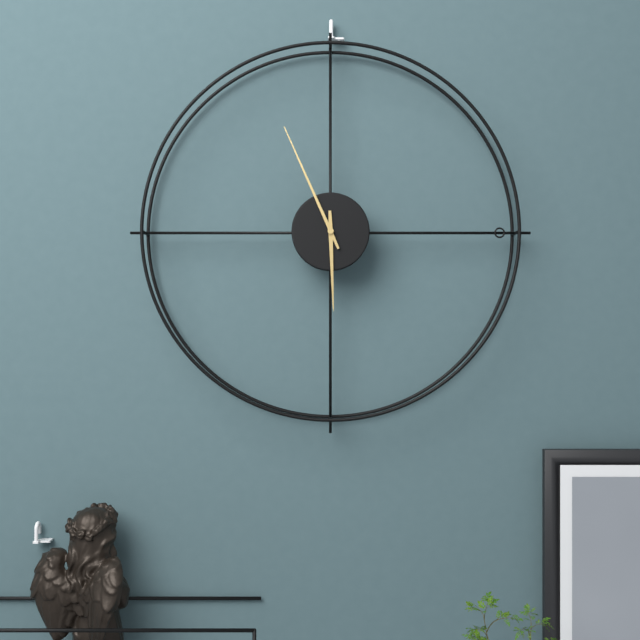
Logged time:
h=5 m=56
